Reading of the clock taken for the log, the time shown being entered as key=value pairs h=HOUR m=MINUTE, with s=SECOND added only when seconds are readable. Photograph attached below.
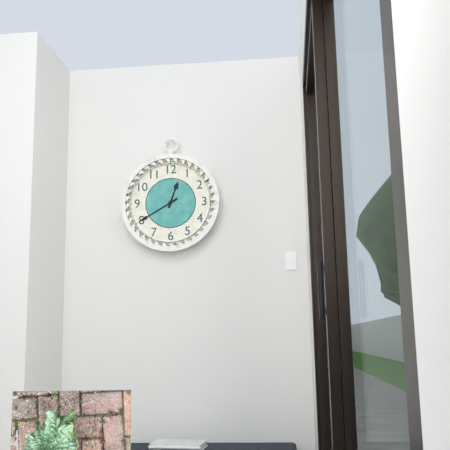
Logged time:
h=12 m=40
